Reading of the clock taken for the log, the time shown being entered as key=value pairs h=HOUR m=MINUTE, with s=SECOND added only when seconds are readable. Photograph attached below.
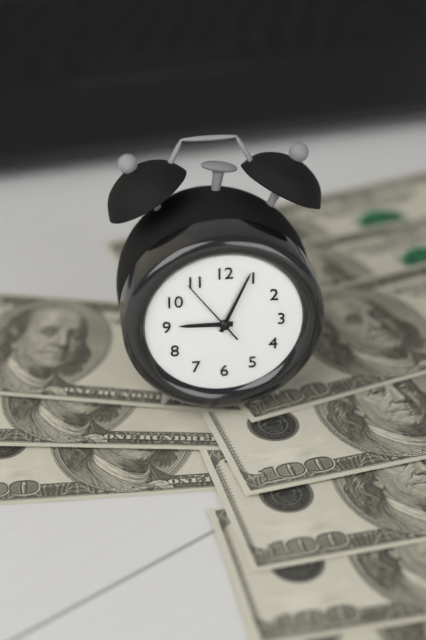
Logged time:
h=9 m=4 s=54
